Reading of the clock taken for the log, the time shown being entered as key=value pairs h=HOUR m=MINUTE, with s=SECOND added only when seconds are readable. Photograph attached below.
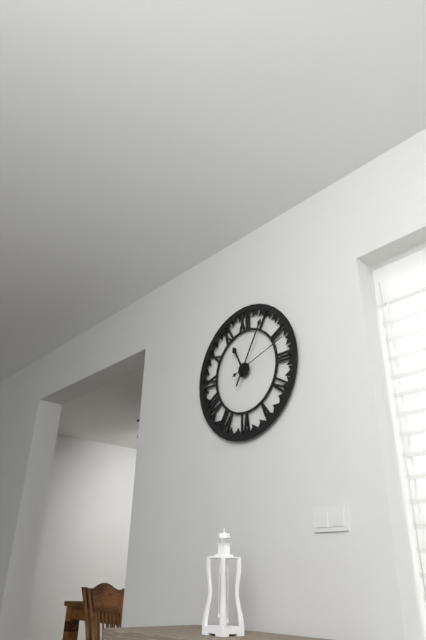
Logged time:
h=11 m=5 s=12
